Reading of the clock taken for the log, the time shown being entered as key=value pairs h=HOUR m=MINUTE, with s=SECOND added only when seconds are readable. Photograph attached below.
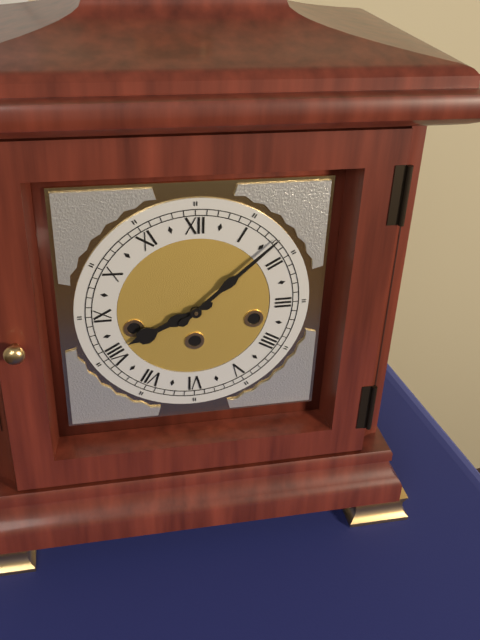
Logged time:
h=8 m=8
